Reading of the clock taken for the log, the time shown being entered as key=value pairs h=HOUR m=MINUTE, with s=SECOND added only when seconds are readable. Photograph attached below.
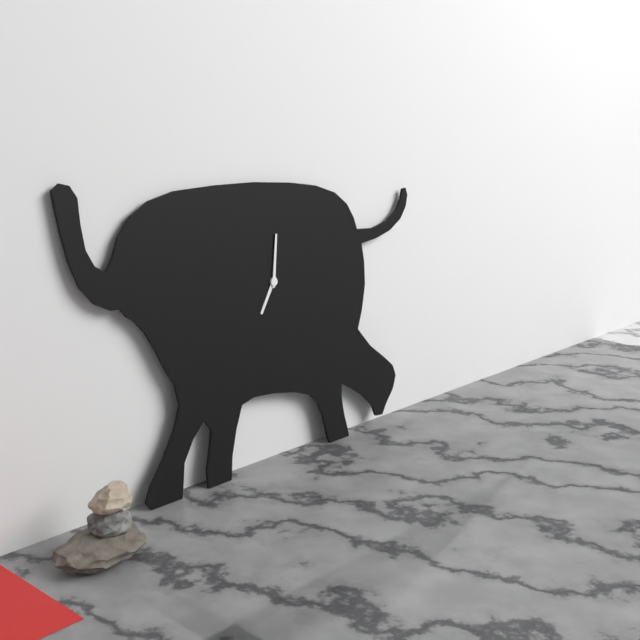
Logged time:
h=7 m=1
